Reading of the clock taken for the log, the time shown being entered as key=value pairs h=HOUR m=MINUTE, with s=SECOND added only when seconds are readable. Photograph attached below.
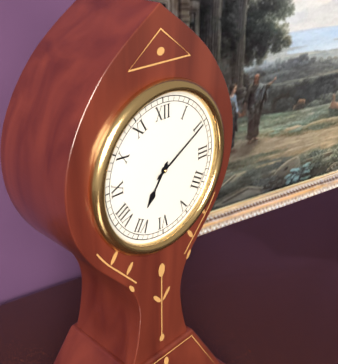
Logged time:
h=7 m=10
